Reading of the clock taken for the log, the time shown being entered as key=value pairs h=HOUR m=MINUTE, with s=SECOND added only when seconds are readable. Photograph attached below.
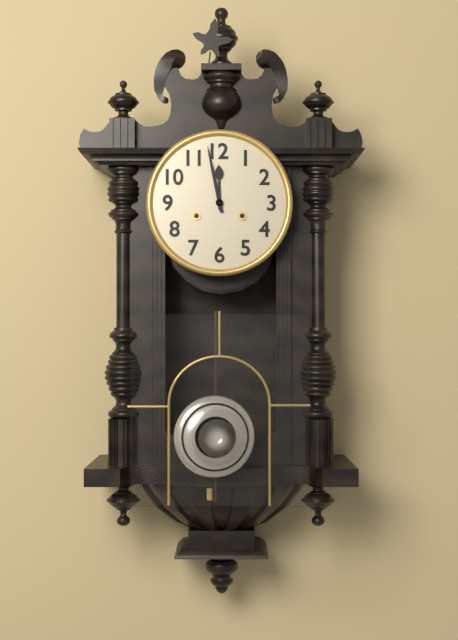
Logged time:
h=11 m=58
